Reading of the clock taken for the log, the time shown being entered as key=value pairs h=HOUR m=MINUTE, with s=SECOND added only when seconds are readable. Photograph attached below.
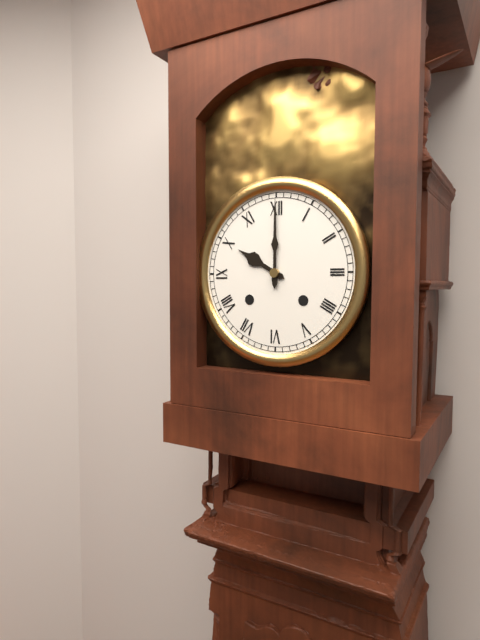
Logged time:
h=10 m=0
